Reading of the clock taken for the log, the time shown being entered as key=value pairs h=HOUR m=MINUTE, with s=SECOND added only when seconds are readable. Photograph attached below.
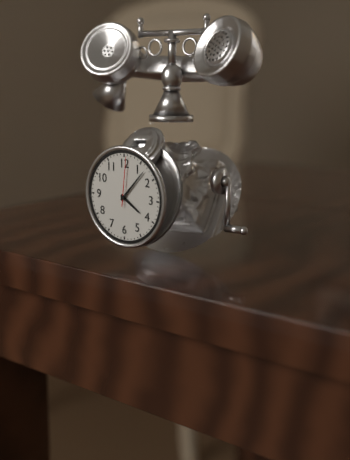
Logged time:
h=4 m=7 s=1
